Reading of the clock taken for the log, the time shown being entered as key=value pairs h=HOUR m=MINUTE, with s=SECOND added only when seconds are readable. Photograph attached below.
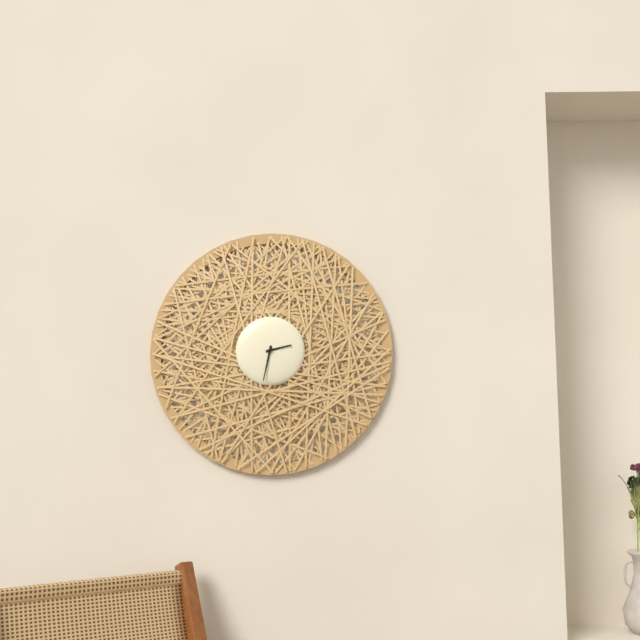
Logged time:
h=2 m=32
